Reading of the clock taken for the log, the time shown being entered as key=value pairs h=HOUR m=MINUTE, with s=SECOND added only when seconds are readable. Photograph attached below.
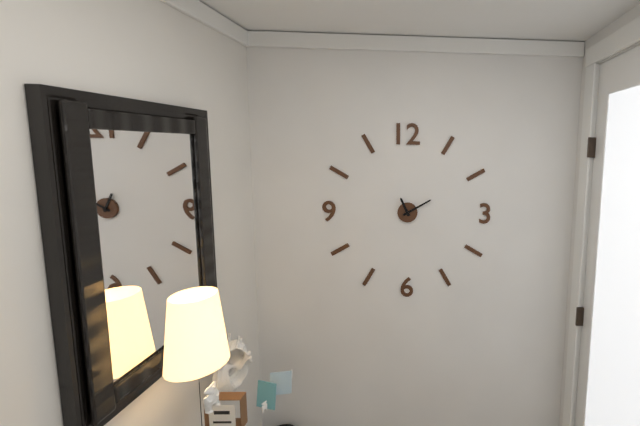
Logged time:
h=11 m=10
